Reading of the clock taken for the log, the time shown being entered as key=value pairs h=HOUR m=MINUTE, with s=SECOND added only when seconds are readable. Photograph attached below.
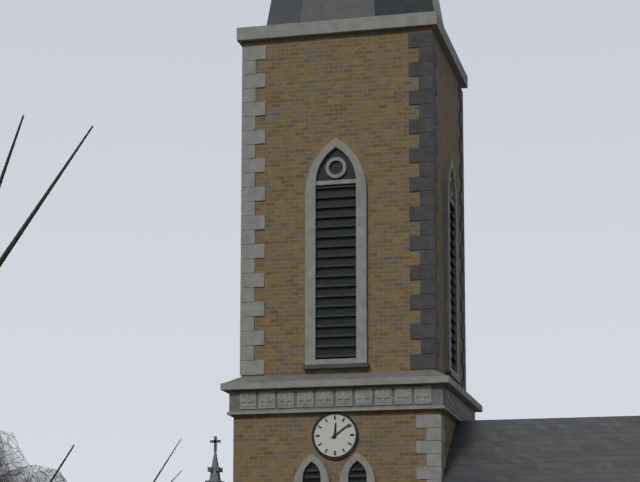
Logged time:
h=12 m=9
